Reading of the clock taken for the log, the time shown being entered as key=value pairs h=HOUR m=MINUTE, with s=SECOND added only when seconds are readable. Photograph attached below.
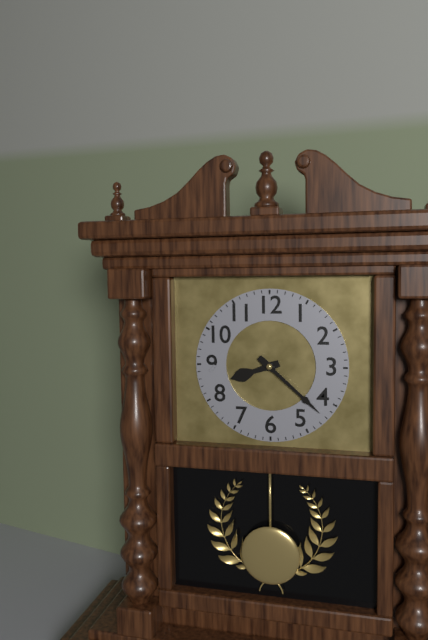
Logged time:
h=8 m=22
